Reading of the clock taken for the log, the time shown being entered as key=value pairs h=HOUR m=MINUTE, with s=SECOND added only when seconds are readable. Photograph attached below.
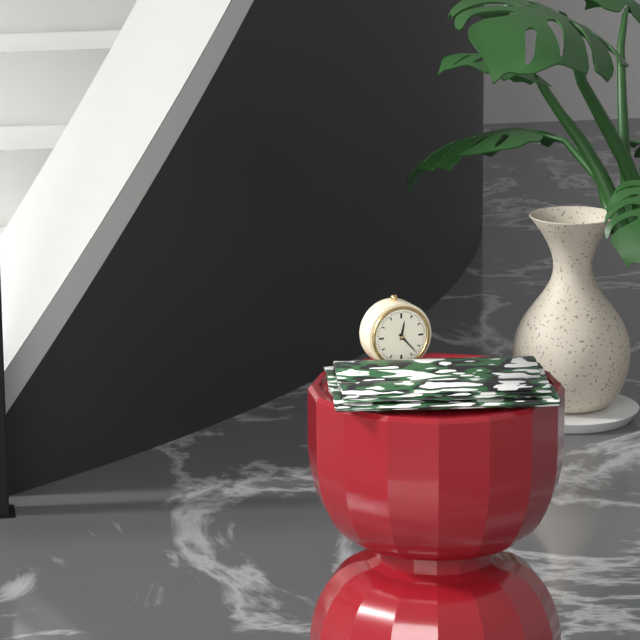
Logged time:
h=12 m=23
